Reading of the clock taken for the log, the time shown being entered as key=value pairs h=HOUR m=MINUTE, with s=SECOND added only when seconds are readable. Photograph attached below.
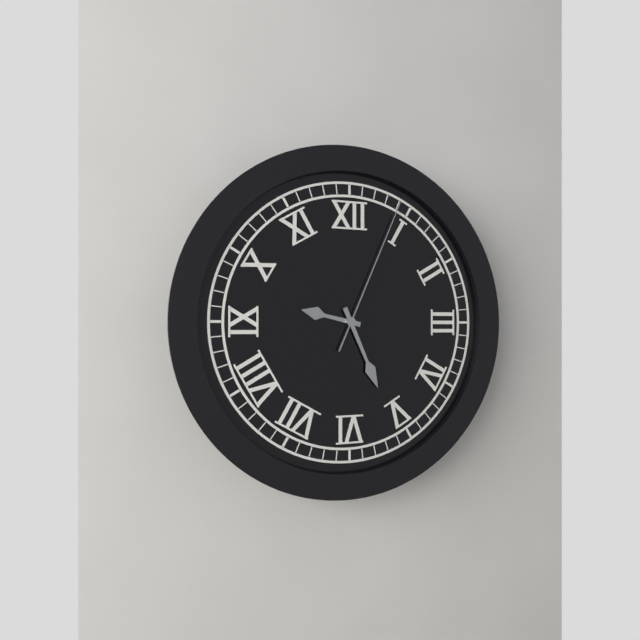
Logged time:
h=9 m=26 s=4
